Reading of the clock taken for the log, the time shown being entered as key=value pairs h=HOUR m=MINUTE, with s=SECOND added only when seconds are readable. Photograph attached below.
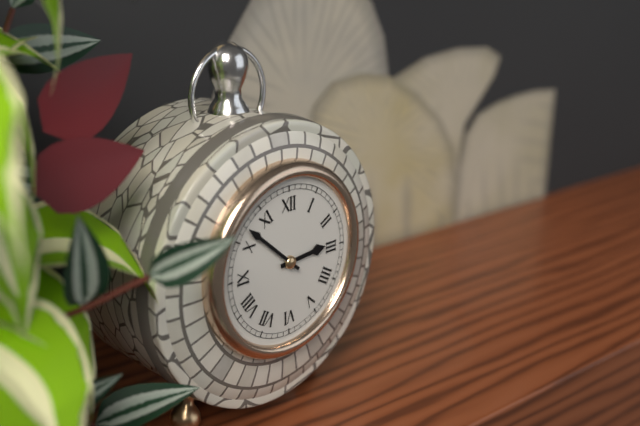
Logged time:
h=2 m=52
